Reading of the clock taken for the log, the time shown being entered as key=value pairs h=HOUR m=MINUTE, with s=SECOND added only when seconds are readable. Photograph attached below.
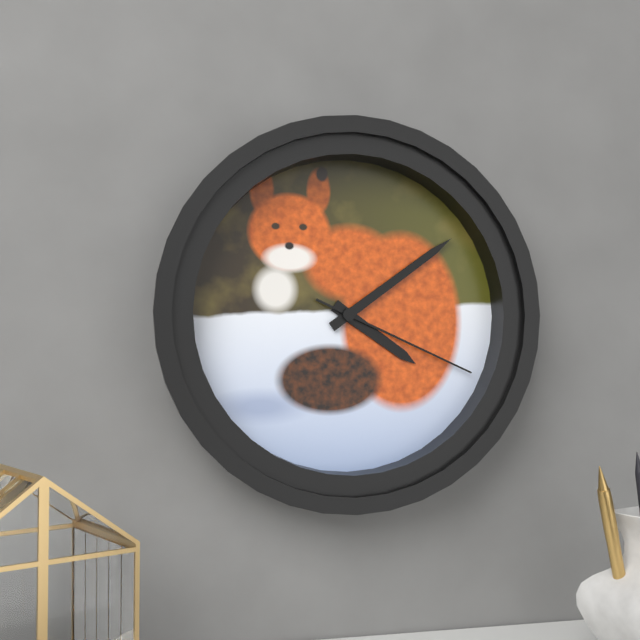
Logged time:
h=4 m=9 s=19
